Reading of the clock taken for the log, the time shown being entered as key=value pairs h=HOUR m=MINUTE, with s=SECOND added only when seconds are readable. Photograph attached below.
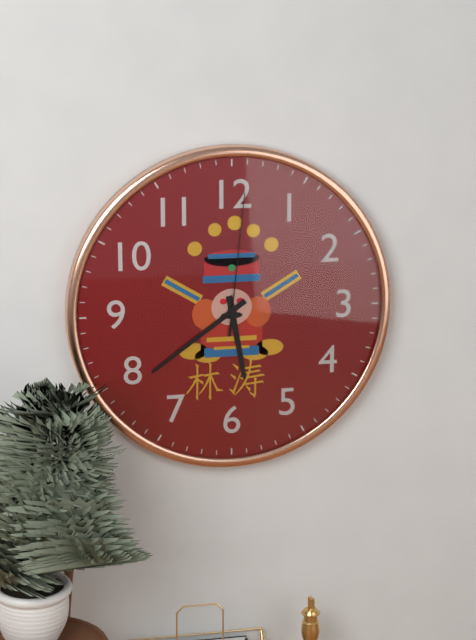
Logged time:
h=5 m=39 s=1
